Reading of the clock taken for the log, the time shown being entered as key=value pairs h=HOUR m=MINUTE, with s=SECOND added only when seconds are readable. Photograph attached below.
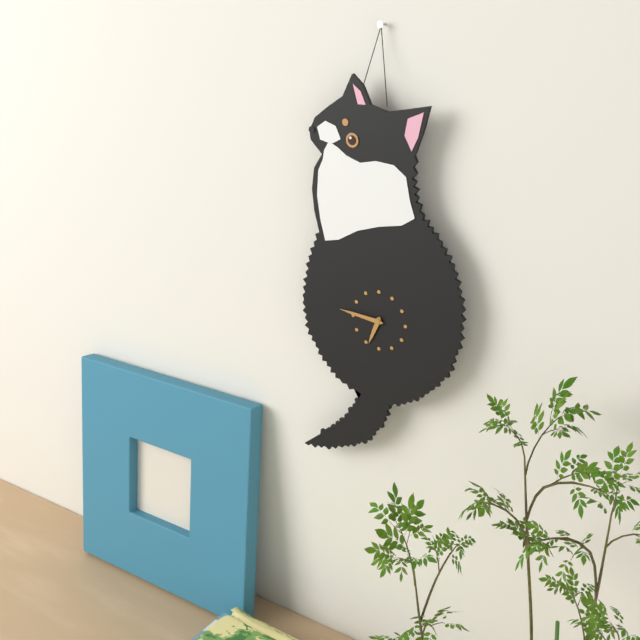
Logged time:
h=6 m=46
